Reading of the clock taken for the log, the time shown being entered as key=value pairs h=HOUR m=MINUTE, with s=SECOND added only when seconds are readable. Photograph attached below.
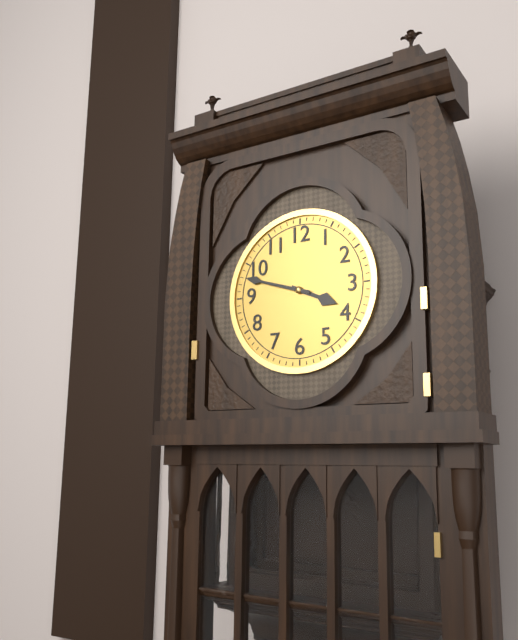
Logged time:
h=3 m=48
